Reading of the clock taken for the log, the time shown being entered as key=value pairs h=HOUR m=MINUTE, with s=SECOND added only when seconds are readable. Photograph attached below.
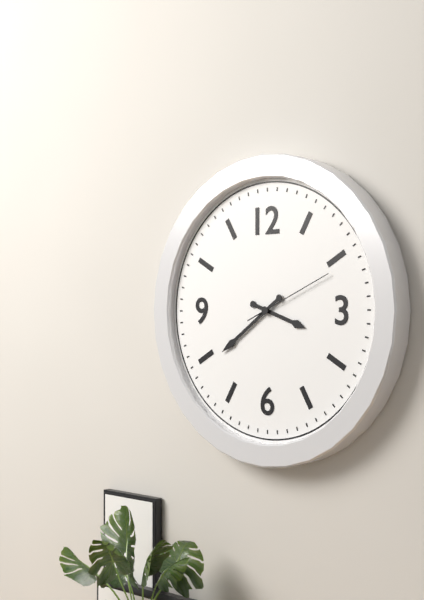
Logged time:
h=3 m=39 s=11
